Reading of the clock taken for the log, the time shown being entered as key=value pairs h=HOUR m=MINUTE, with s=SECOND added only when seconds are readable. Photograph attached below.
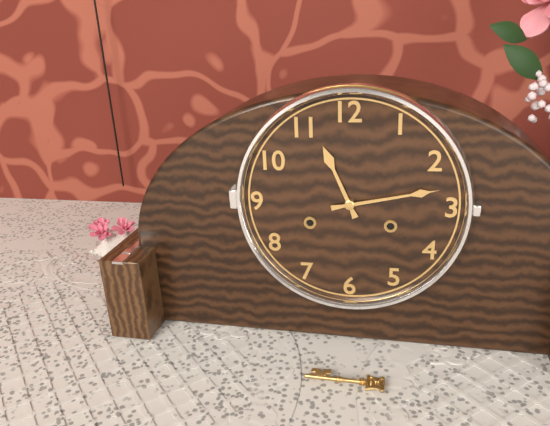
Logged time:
h=11 m=13
